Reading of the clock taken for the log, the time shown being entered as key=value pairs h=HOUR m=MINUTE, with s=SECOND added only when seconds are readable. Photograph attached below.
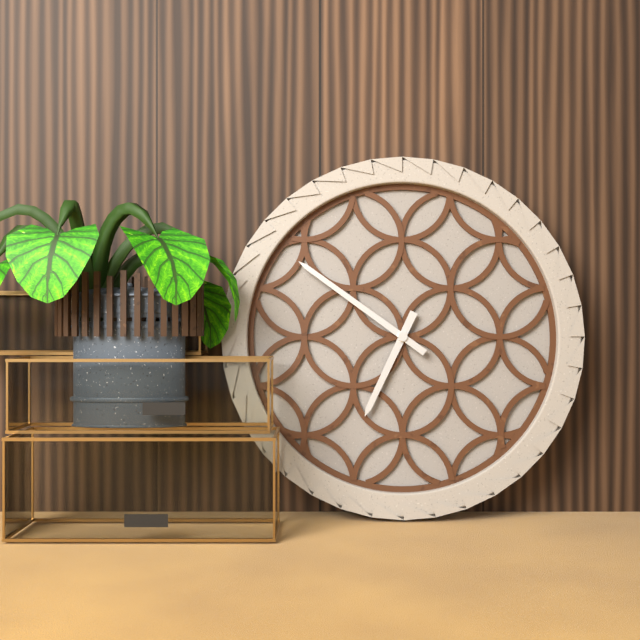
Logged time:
h=6 m=51
